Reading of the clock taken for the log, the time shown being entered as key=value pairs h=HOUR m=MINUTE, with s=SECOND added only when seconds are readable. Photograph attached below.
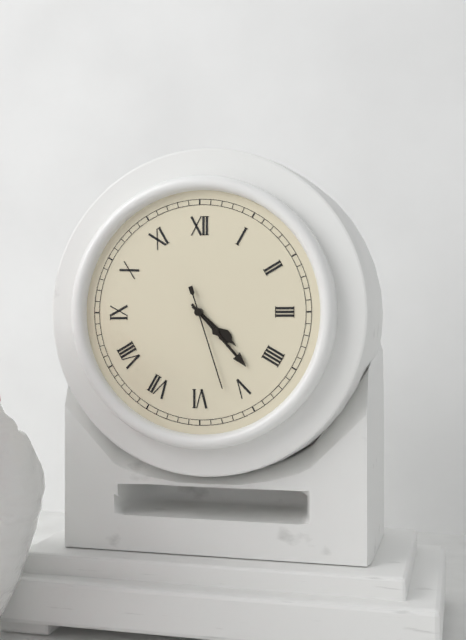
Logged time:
h=4 m=23 s=27
